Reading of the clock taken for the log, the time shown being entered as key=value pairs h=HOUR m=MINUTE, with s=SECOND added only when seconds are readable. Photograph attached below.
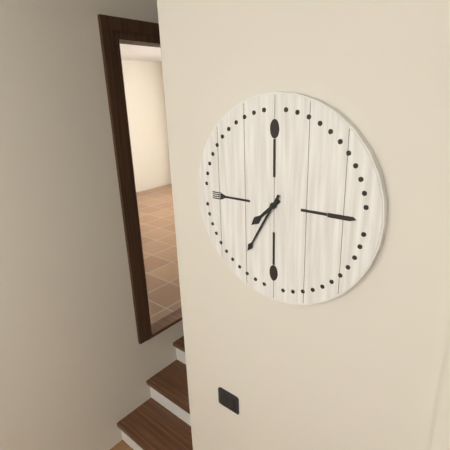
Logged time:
h=7 m=35
